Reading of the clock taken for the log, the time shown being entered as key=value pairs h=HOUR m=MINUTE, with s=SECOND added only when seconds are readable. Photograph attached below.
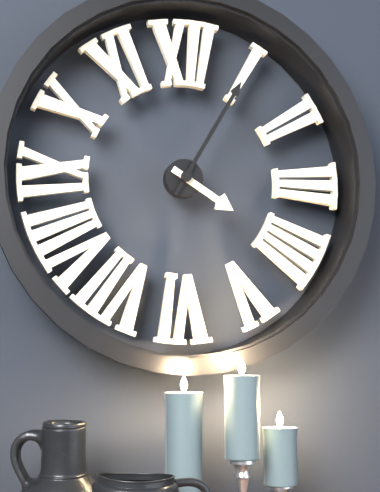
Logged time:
h=4 m=5
